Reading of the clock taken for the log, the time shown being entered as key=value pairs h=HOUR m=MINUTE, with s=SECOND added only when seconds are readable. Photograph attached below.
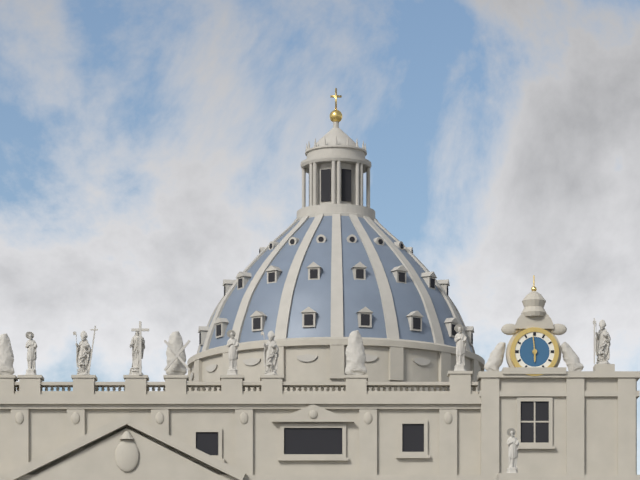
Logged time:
h=5 m=59
